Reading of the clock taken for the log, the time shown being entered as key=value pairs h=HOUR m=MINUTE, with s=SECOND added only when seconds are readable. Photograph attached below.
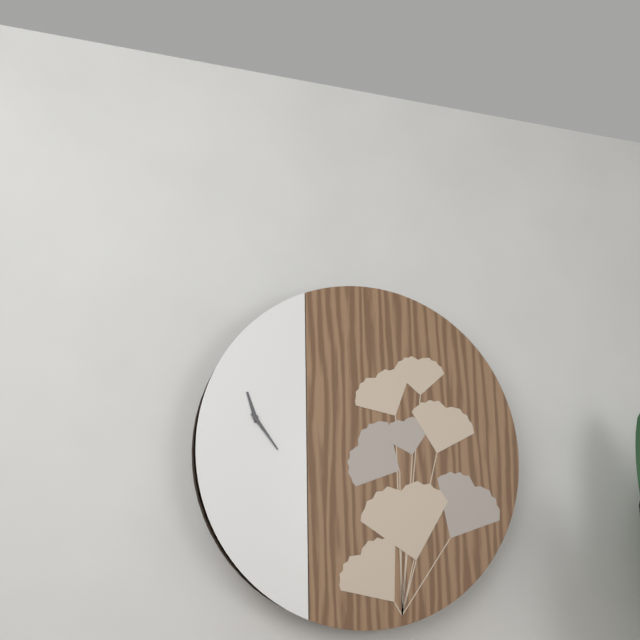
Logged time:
h=11 m=24
